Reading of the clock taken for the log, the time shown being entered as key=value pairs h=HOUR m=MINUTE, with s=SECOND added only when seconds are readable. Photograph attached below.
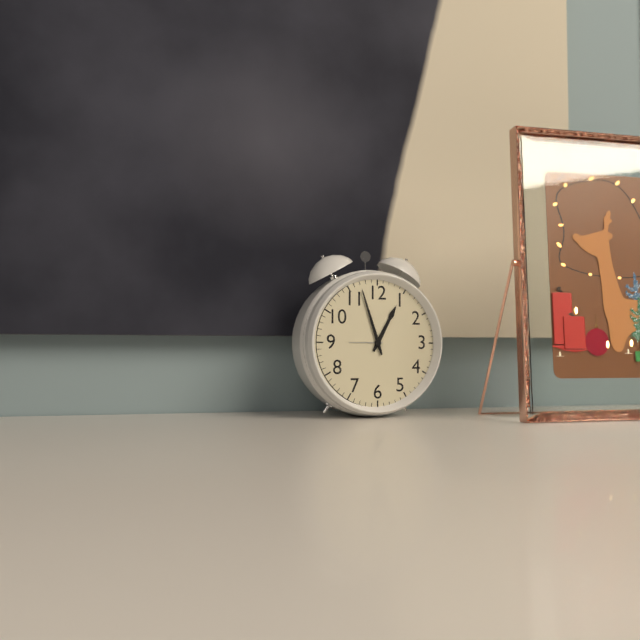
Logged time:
h=12 m=57
